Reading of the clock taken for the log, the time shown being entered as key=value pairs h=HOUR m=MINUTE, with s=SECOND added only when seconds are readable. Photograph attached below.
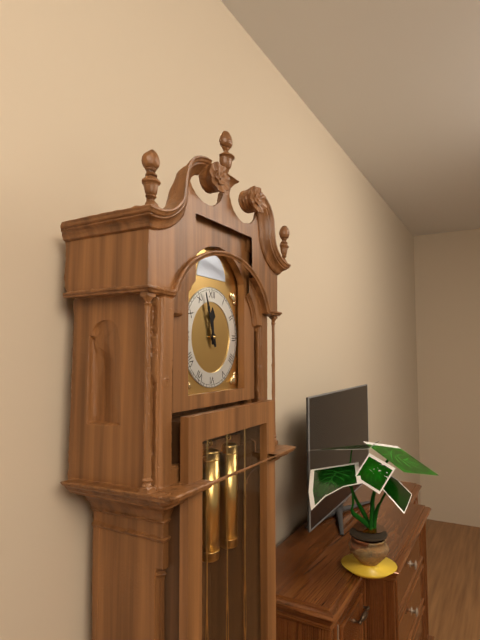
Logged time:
h=11 m=57
